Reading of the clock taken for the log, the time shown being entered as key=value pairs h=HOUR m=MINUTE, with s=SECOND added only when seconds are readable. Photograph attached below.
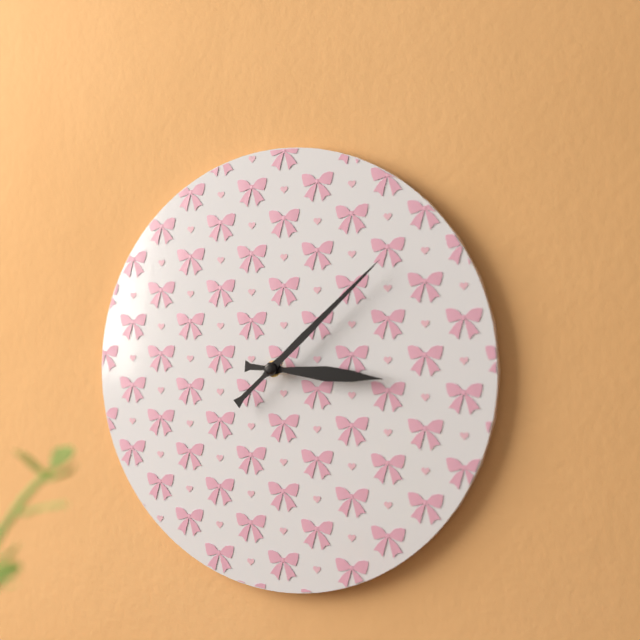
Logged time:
h=3 m=8
